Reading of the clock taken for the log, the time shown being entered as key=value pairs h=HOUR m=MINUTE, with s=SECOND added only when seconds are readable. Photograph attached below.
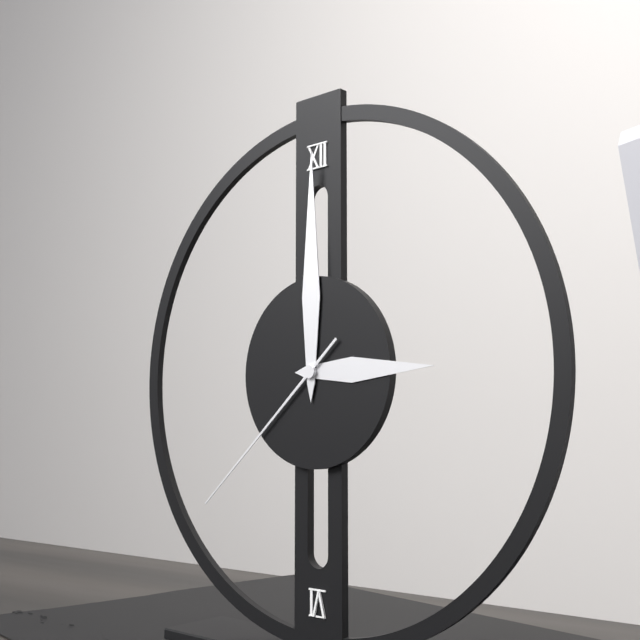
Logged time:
h=3 m=0 s=38
